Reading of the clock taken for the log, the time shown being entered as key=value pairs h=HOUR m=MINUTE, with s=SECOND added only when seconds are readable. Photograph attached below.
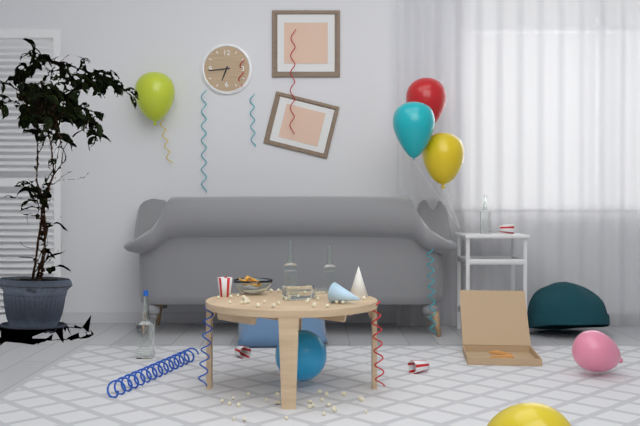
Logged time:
h=6 m=44
